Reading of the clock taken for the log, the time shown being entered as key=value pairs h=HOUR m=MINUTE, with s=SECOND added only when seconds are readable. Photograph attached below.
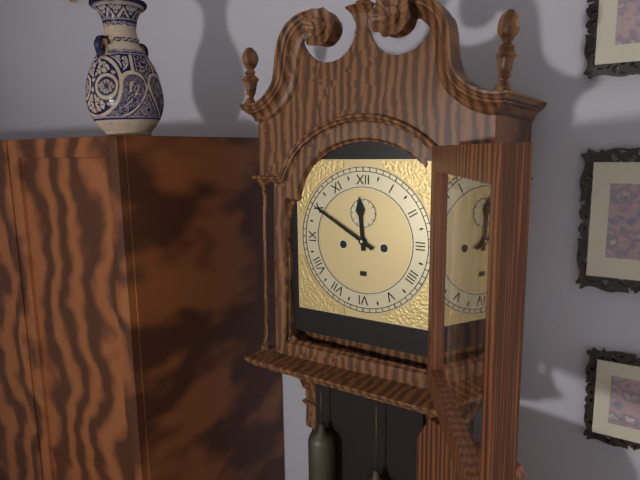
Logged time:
h=11 m=50
